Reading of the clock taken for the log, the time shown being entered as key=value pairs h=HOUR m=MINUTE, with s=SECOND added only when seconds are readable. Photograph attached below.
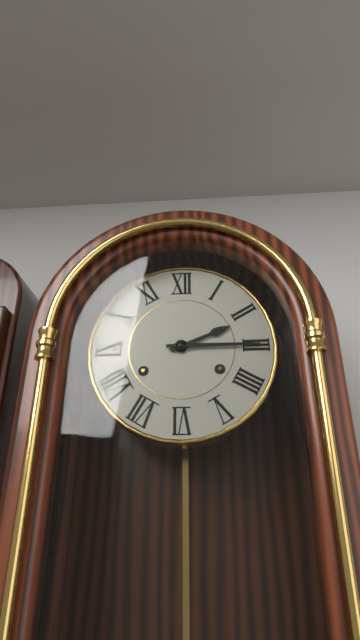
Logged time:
h=2 m=15
